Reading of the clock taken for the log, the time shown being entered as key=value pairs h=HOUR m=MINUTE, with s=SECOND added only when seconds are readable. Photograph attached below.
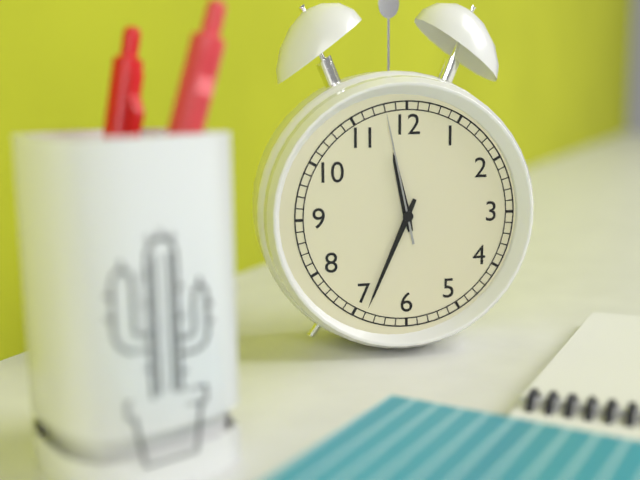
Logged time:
h=11 m=34 s=58
